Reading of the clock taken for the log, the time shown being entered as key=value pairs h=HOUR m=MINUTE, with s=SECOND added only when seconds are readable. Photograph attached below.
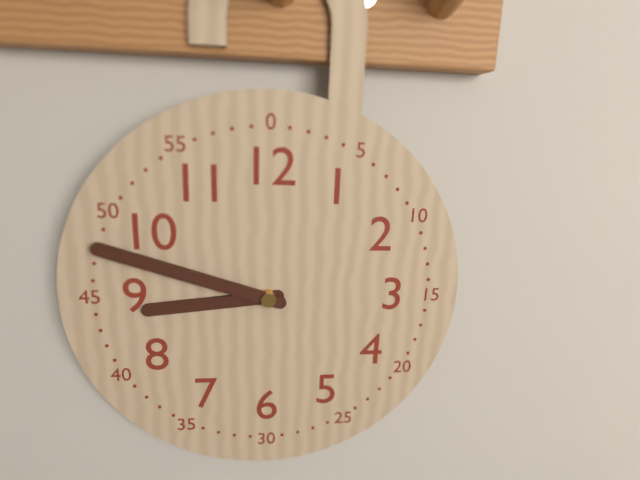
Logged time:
h=8 m=48
